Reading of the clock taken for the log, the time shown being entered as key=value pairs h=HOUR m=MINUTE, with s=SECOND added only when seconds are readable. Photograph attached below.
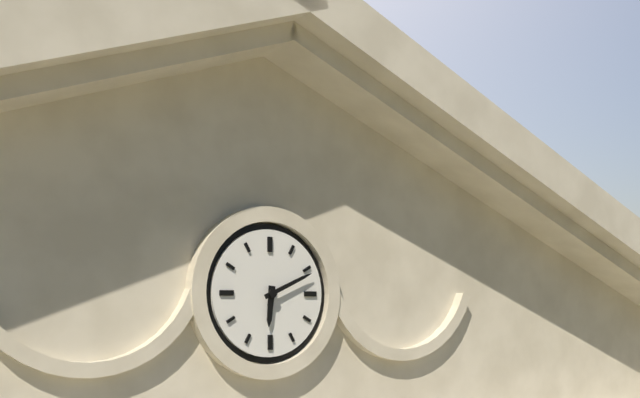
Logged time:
h=6 m=11
